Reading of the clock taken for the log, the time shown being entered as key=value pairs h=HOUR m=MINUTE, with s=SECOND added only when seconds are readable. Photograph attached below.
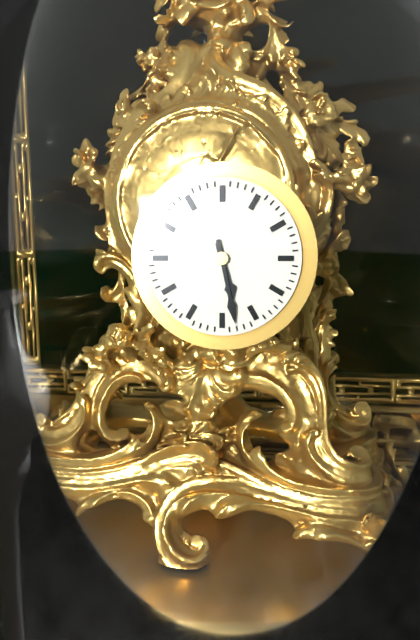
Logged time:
h=5 m=28
